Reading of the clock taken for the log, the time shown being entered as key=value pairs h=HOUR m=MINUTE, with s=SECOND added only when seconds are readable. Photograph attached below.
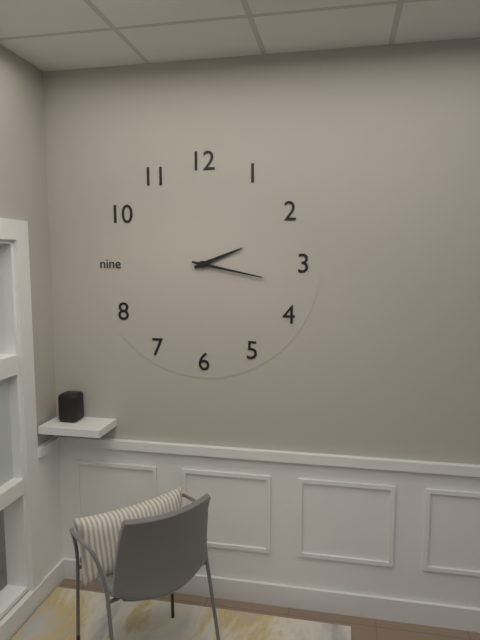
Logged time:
h=2 m=17
